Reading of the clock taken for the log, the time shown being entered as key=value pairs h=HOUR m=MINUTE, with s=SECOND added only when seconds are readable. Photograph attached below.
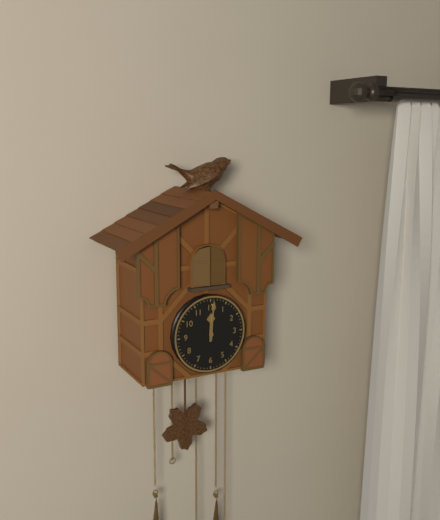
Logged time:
h=12 m=1
